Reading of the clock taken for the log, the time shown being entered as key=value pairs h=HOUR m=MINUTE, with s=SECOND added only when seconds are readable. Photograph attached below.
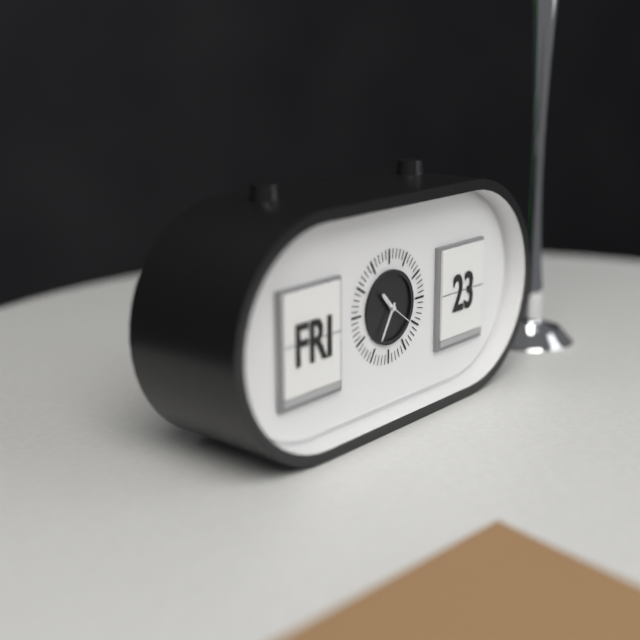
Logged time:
h=10 m=35 s=21
